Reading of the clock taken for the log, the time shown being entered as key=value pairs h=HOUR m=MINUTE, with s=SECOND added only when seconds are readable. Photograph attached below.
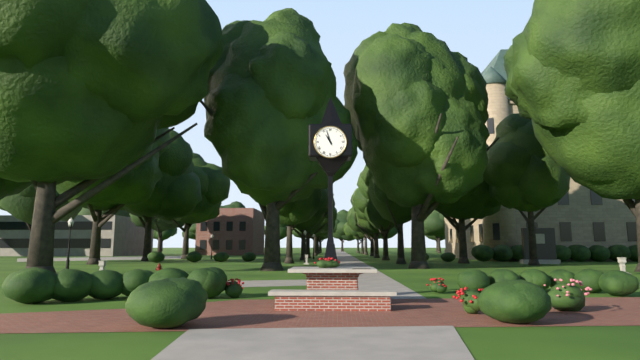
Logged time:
h=10 m=57
